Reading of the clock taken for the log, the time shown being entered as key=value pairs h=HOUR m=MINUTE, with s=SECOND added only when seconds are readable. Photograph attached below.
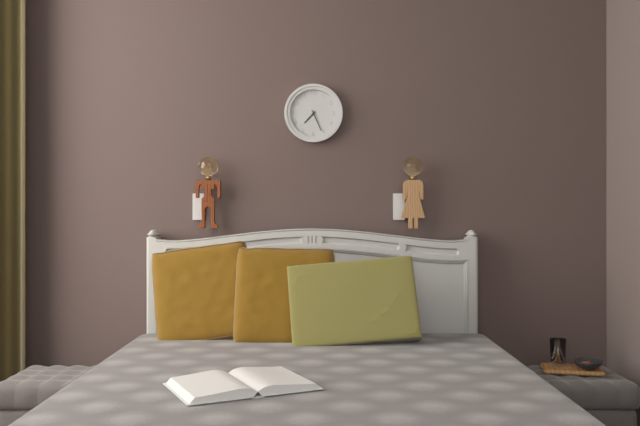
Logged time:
h=7 m=26
